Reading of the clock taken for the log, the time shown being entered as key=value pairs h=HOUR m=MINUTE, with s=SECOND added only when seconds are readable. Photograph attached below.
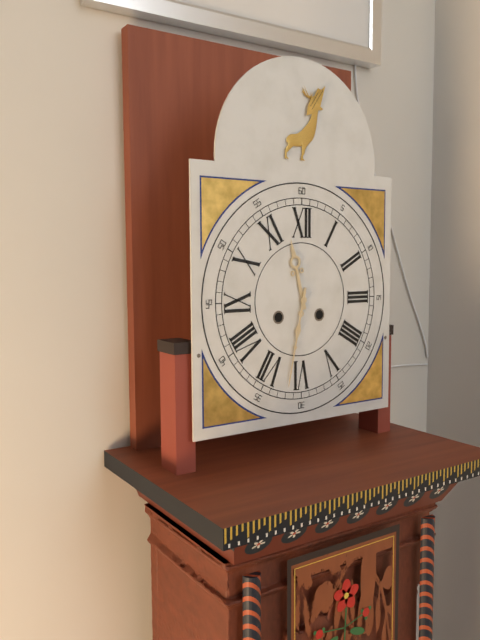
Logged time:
h=11 m=32
